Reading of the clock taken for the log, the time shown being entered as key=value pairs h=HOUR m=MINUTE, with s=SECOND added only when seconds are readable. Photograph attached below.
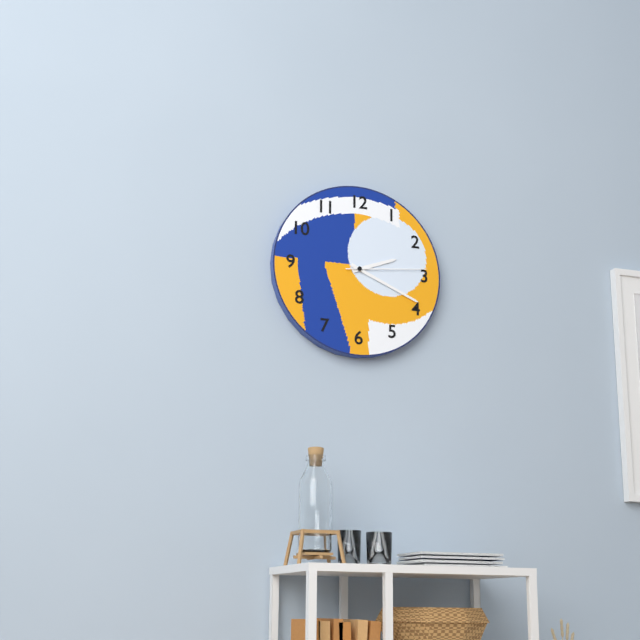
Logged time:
h=2 m=19 s=14
